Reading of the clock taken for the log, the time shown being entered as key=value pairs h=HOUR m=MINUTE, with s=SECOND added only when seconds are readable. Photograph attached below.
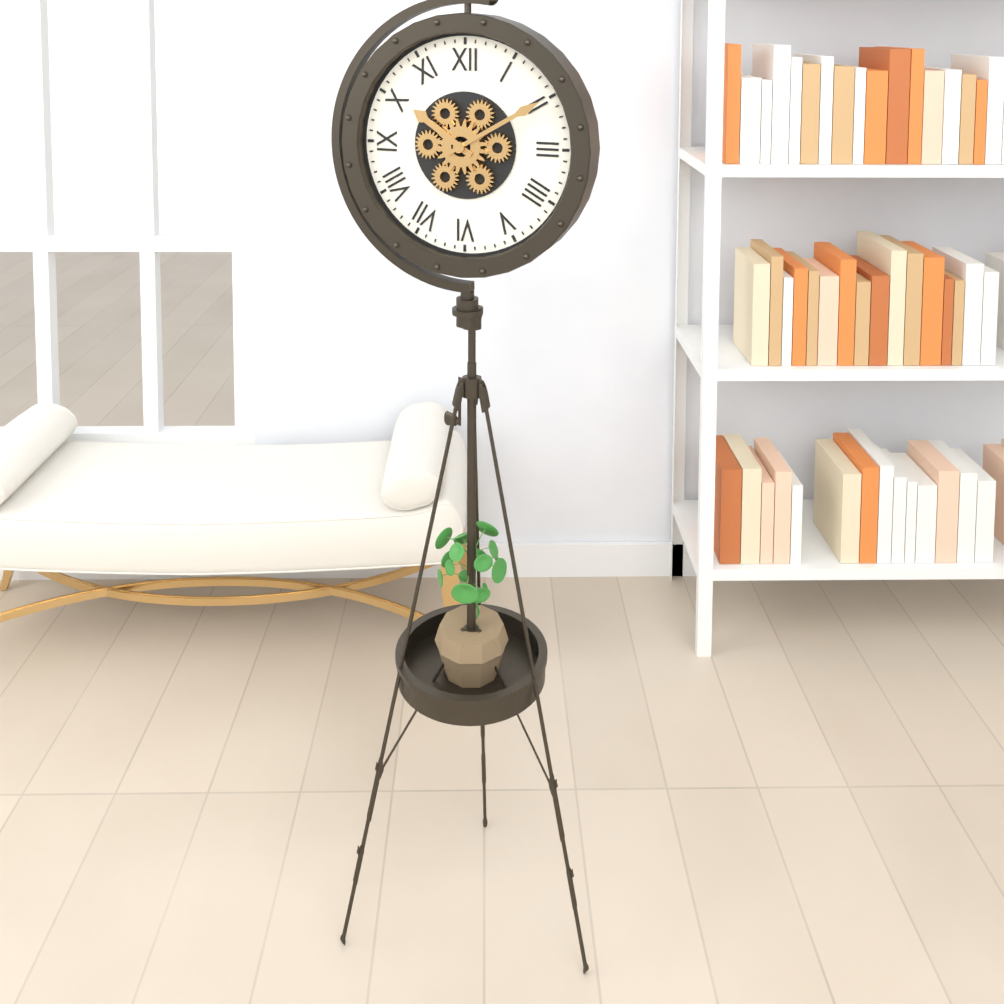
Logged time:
h=10 m=10
